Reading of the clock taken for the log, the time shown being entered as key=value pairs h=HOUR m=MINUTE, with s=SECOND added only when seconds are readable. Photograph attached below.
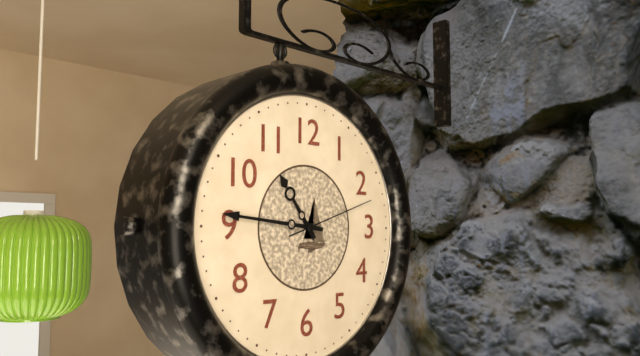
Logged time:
h=10 m=46 s=12
